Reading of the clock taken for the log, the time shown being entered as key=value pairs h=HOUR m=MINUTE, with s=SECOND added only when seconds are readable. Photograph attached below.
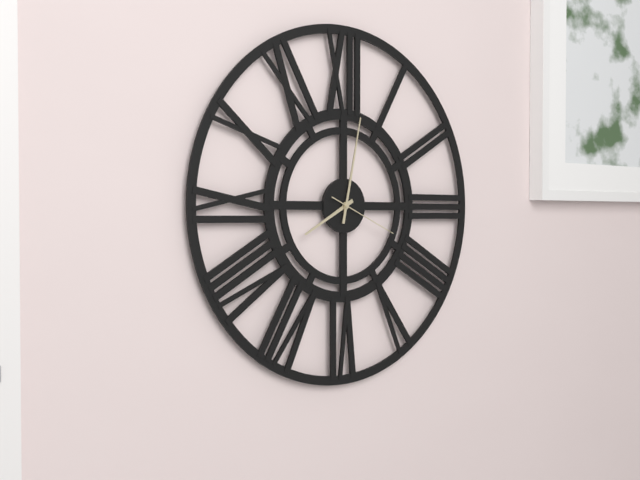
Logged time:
h=8 m=2 s=19
